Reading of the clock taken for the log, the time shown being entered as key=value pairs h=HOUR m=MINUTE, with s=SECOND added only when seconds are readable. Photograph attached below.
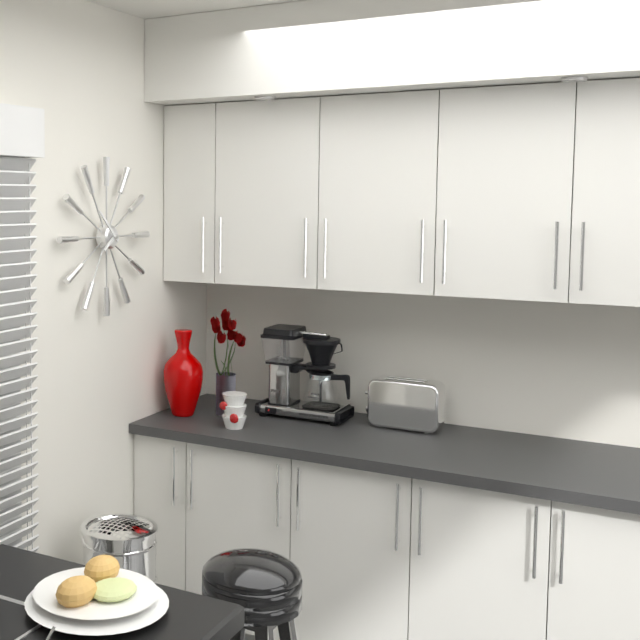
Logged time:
h=7 m=52
